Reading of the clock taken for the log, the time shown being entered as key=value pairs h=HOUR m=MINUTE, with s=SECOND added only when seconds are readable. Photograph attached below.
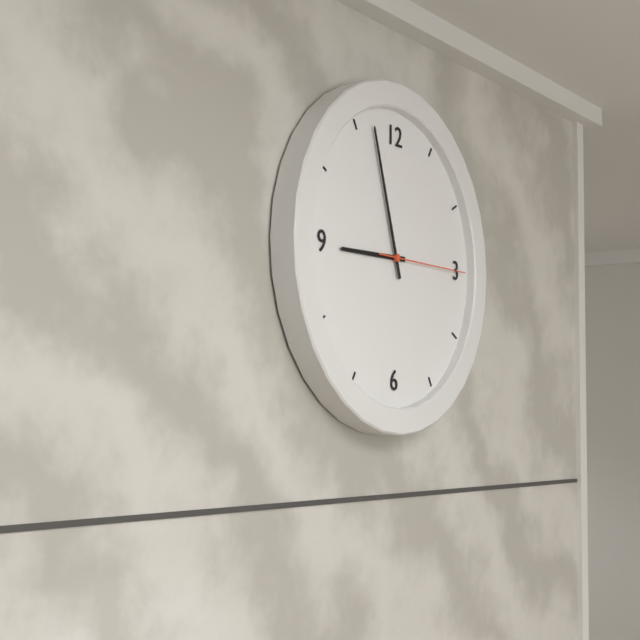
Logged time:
h=8 m=57 s=15
